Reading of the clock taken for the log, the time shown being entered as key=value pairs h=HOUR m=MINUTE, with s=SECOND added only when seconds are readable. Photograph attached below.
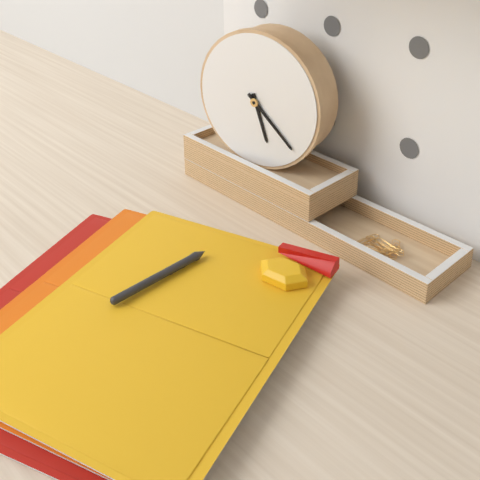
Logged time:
h=5 m=22
